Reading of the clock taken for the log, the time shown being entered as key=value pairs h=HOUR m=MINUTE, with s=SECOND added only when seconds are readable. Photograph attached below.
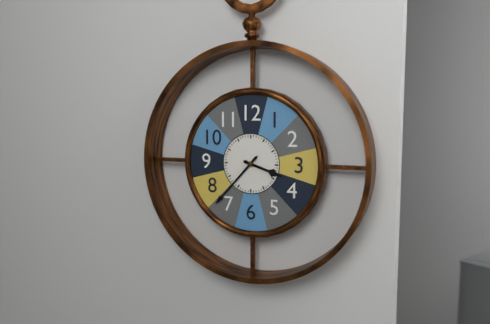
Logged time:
h=3 m=37
